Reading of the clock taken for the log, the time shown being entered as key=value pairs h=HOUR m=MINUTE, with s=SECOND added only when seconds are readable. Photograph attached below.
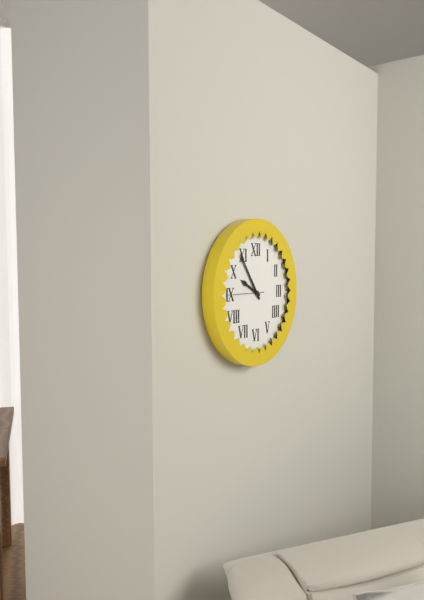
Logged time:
h=9 m=54
